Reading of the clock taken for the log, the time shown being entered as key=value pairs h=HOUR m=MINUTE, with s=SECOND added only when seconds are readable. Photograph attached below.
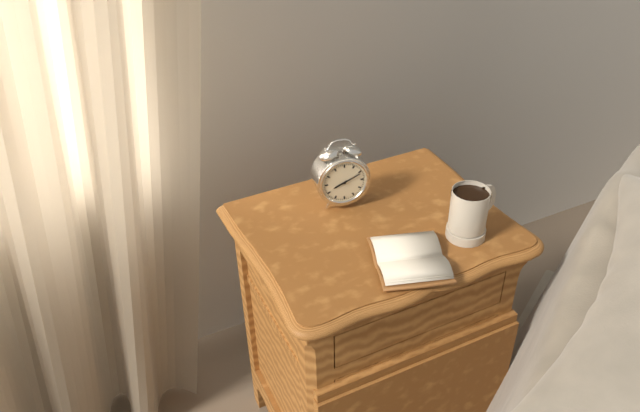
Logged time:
h=8 m=11
